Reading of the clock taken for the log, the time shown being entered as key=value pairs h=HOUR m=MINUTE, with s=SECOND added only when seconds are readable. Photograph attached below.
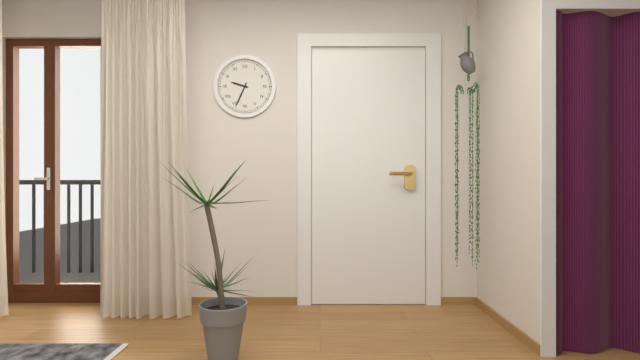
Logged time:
h=9 m=34
